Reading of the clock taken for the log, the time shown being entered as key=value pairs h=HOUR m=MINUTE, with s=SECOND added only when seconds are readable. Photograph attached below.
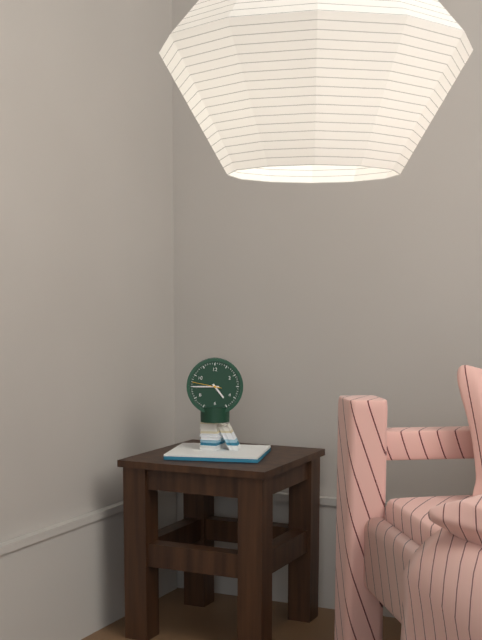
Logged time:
h=4 m=45
